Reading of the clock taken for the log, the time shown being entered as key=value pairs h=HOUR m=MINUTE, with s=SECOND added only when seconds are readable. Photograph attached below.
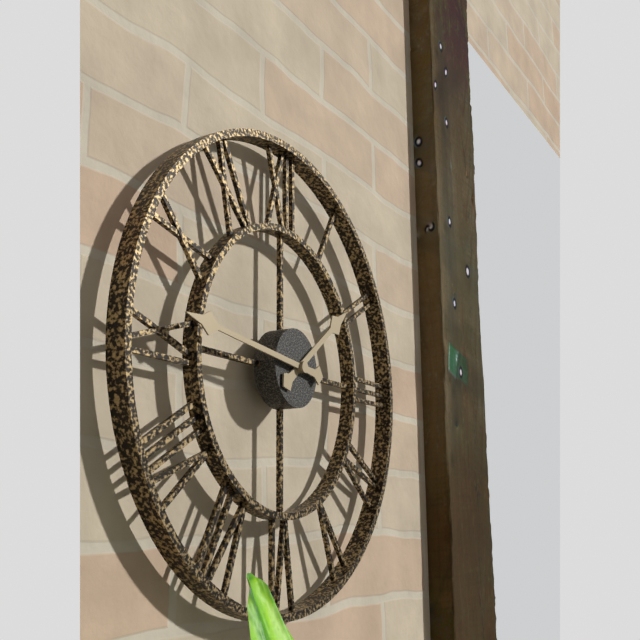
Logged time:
h=1 m=46
